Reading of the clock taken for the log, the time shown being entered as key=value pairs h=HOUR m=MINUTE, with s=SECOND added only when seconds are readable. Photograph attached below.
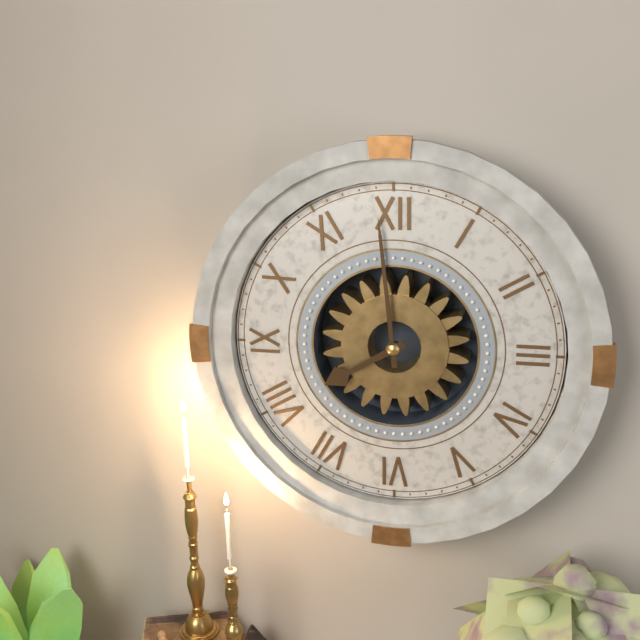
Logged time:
h=7 m=59
